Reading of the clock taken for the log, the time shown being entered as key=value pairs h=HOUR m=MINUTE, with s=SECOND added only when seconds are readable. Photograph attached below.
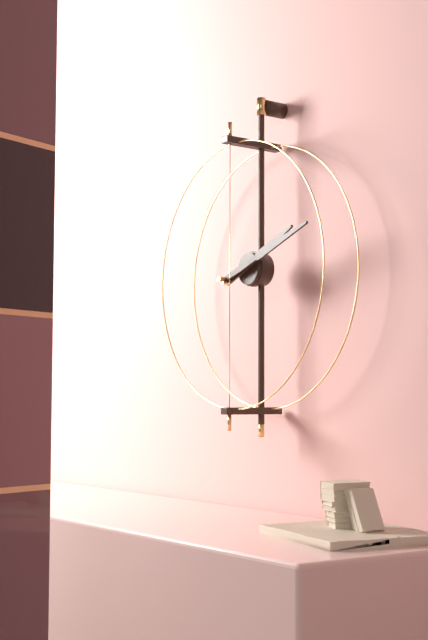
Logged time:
h=2 m=12
